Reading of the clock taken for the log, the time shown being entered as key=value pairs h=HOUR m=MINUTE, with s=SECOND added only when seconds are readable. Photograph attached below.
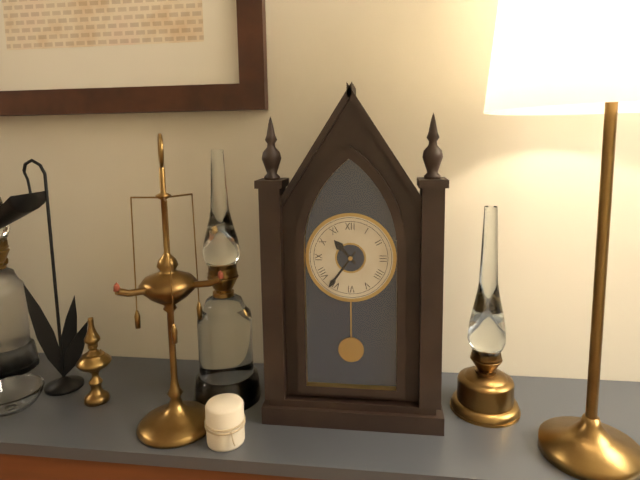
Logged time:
h=10 m=36
